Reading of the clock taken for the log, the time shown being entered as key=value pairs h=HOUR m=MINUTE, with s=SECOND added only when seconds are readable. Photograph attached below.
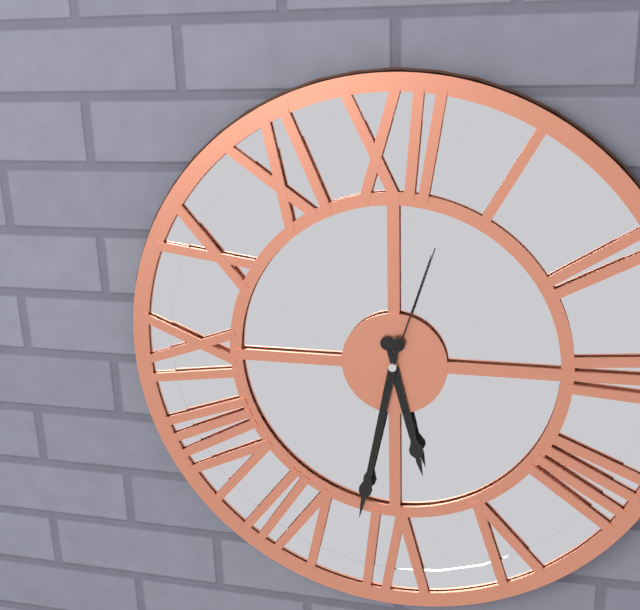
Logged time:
h=5 m=32 s=3
